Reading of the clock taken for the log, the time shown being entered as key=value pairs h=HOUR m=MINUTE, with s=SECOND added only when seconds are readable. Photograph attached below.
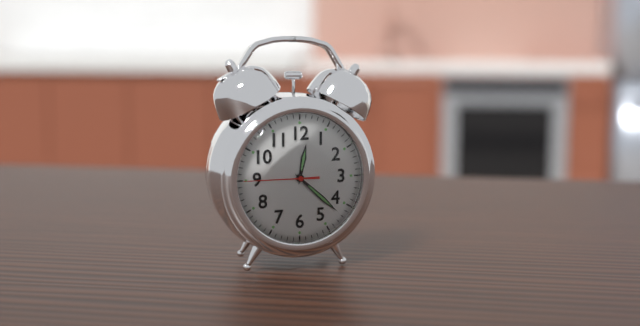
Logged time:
h=12 m=22 s=45
